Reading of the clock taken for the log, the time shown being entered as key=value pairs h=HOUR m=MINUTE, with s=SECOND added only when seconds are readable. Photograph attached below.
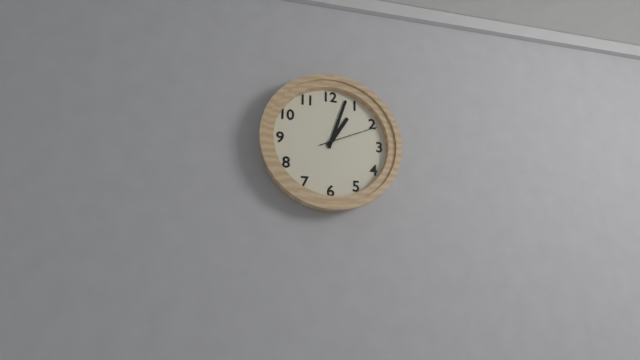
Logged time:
h=1 m=3 s=11
